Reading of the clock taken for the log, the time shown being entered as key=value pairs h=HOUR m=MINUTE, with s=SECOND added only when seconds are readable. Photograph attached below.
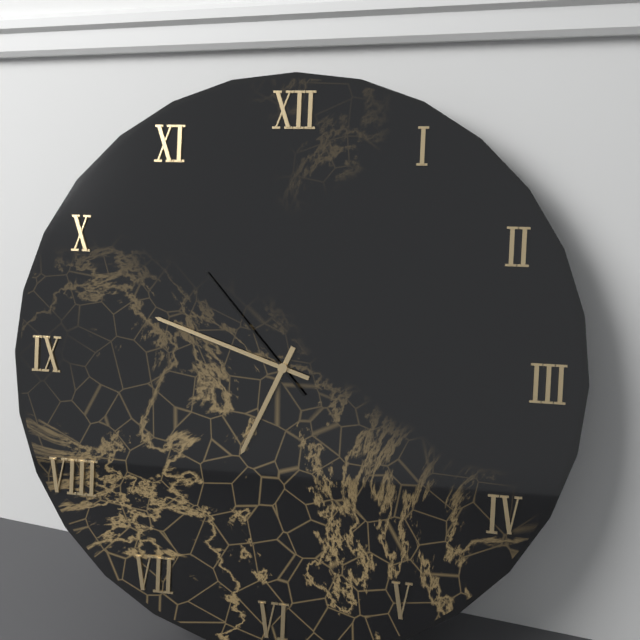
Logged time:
h=6 m=48 s=53
